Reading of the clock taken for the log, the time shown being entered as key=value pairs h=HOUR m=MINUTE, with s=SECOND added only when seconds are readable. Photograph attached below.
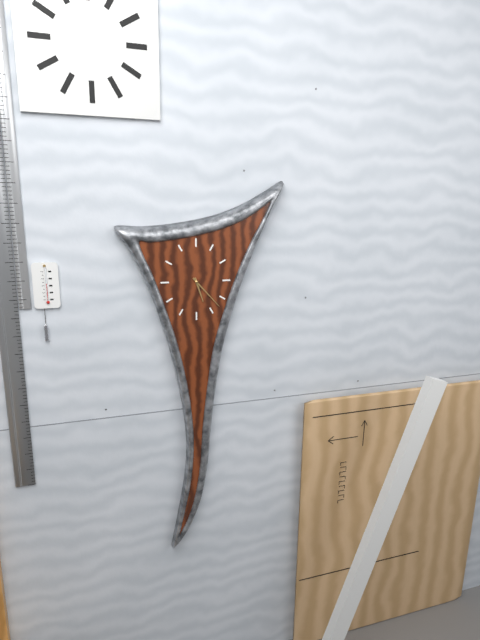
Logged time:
h=5 m=23
